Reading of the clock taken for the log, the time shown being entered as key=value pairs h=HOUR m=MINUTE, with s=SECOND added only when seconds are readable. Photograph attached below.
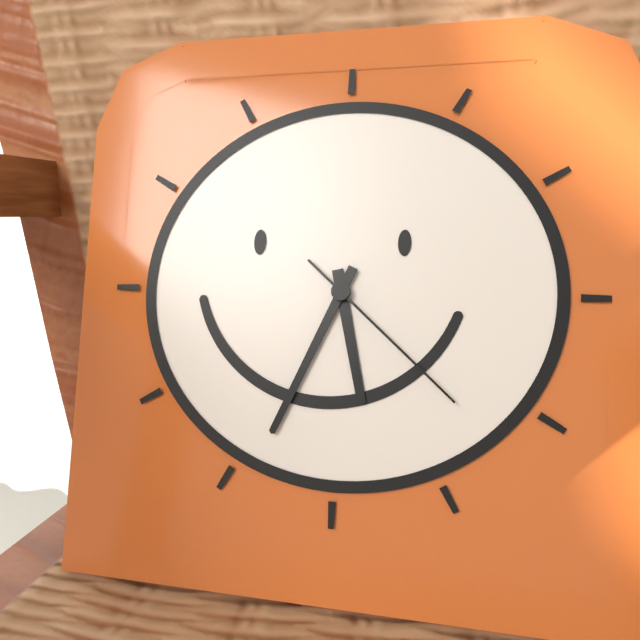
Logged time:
h=5 m=34 s=22
